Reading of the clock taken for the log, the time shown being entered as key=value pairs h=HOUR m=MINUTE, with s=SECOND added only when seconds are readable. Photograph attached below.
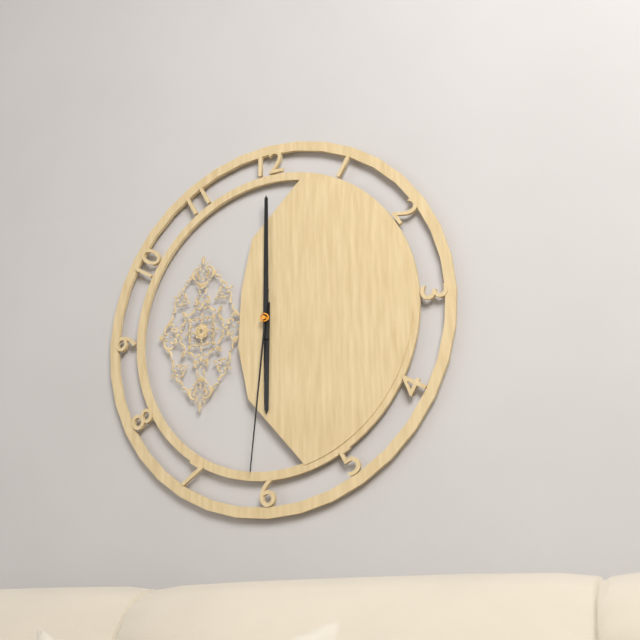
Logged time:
h=6 m=0 s=31
